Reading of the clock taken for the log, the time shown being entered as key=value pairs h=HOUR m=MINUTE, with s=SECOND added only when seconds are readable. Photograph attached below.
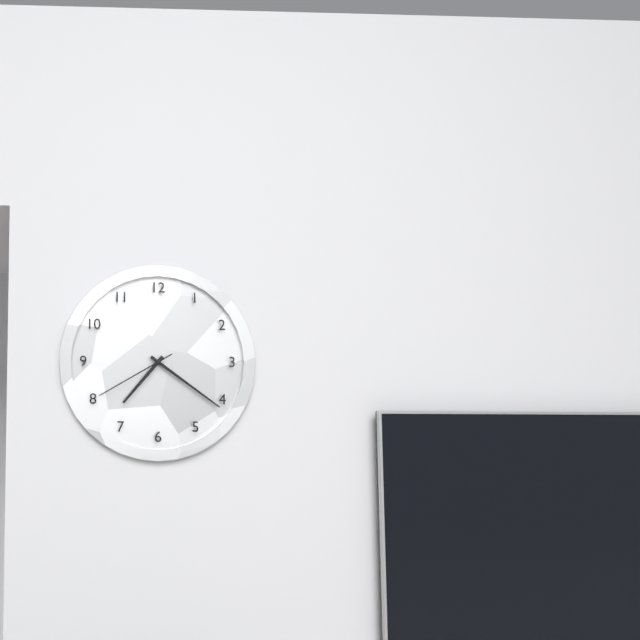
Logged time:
h=7 m=21 s=40
